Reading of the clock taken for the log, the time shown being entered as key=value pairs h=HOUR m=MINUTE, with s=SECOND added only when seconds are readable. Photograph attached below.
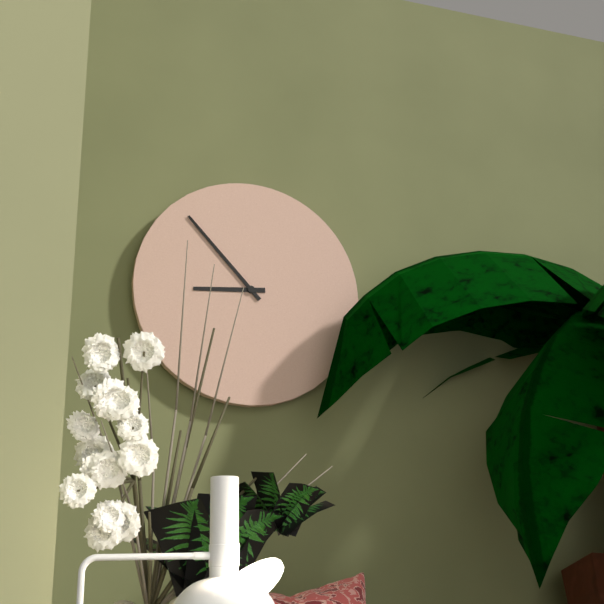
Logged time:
h=8 m=53
